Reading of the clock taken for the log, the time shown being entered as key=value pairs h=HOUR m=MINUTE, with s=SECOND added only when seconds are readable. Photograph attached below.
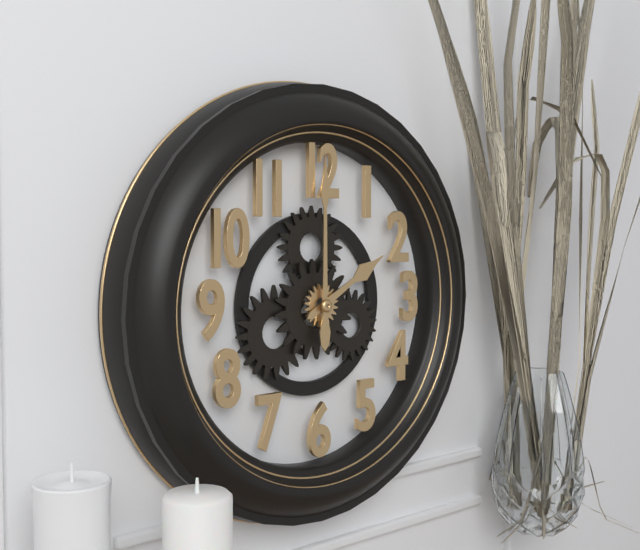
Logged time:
h=2 m=0
